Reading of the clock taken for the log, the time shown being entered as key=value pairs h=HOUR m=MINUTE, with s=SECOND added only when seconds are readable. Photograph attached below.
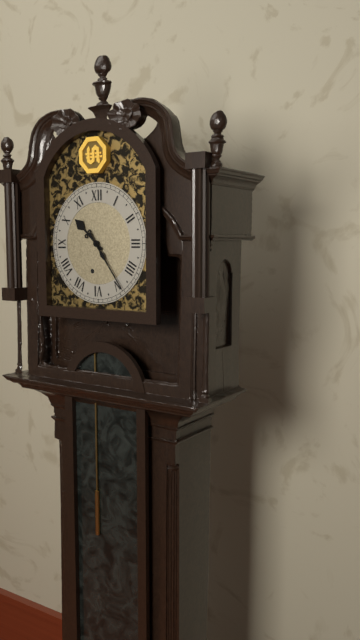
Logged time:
h=10 m=24
